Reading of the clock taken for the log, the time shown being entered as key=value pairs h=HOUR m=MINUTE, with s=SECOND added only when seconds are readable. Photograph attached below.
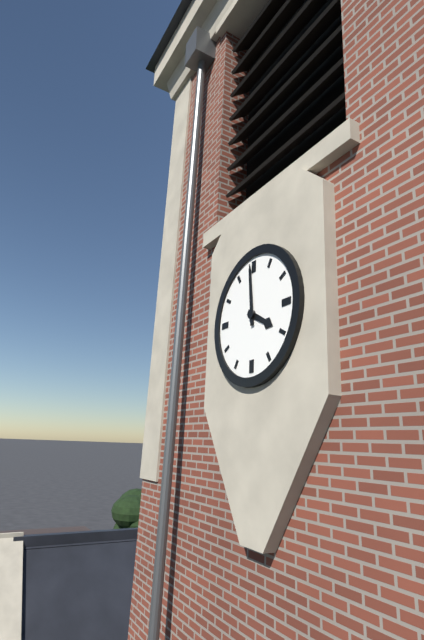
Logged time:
h=3 m=59
